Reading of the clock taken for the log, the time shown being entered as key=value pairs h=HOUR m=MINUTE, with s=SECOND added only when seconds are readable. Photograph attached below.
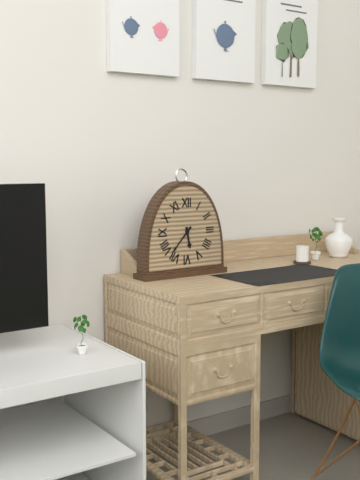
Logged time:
h=5 m=37
